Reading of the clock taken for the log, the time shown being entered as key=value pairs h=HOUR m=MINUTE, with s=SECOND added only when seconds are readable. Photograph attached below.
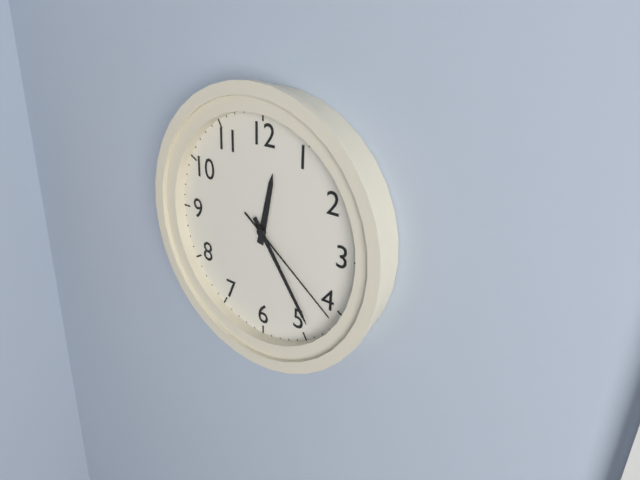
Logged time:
h=12 m=24 s=21
